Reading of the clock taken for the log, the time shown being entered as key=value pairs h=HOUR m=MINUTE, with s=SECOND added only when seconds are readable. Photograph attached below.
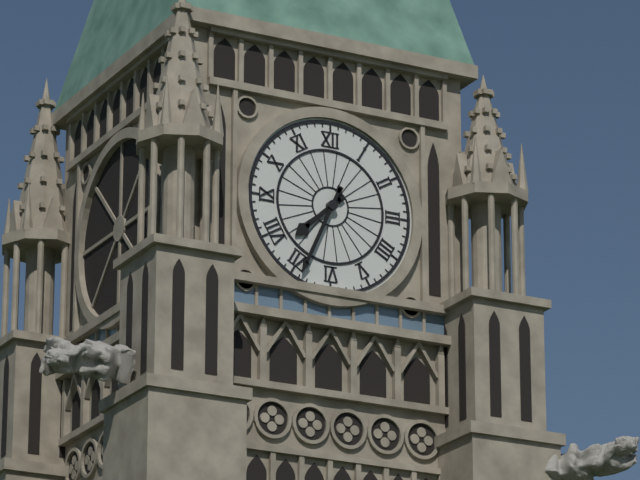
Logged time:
h=7 m=34
